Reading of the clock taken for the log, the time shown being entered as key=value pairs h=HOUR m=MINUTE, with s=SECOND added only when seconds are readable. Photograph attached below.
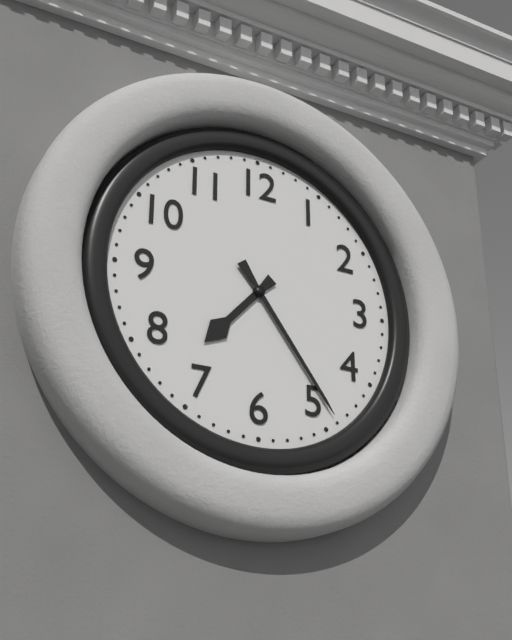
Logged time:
h=7 m=24
